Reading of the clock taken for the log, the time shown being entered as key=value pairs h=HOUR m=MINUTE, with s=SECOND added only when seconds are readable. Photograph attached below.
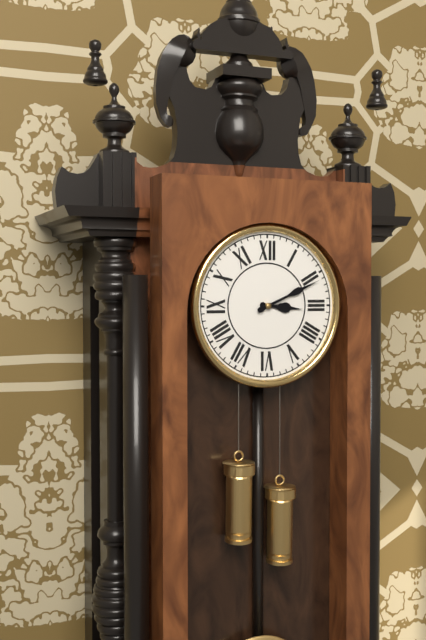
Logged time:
h=3 m=11
